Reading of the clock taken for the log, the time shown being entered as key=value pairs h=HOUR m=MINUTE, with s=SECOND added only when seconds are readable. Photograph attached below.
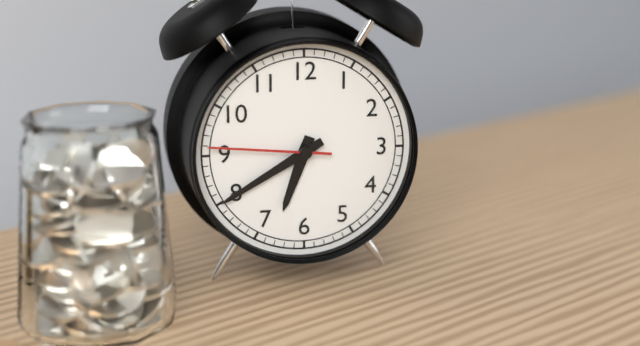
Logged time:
h=6 m=40 s=46
